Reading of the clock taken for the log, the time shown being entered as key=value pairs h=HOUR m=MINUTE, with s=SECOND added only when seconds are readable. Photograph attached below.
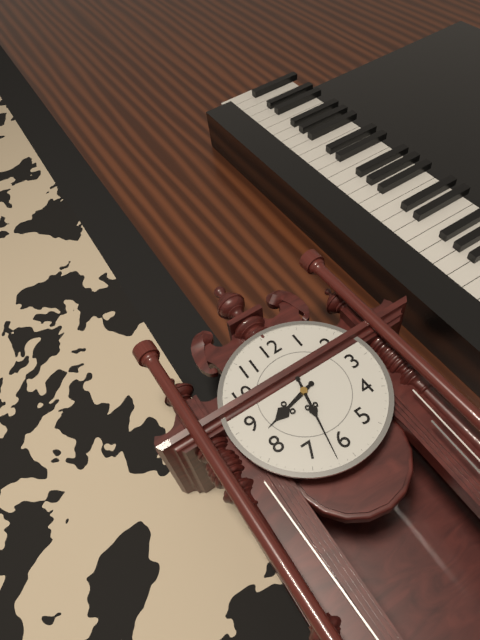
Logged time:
h=8 m=32
